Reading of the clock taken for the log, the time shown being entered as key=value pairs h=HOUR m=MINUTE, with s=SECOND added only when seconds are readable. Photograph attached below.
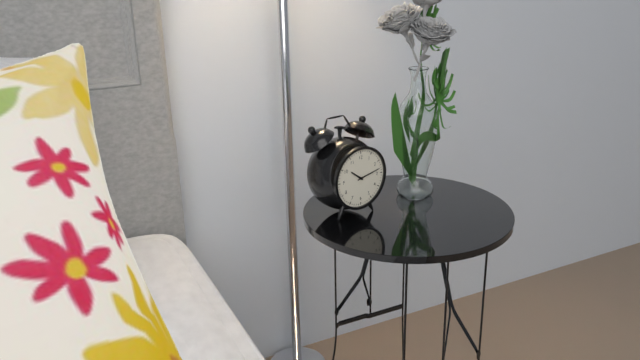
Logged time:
h=10 m=13
